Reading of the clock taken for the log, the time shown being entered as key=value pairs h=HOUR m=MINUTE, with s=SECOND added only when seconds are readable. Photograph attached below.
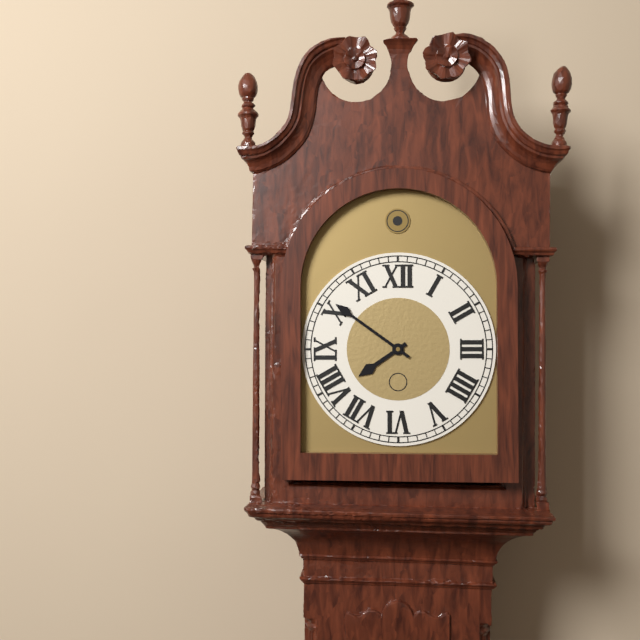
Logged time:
h=7 m=51
